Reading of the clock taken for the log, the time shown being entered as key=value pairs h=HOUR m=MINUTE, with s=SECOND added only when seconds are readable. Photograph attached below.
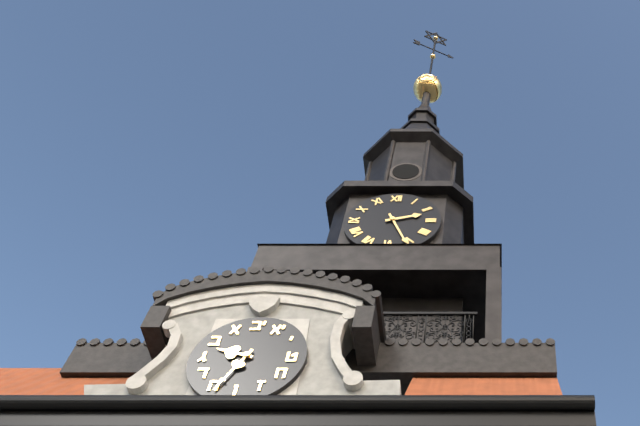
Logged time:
h=2 m=26
